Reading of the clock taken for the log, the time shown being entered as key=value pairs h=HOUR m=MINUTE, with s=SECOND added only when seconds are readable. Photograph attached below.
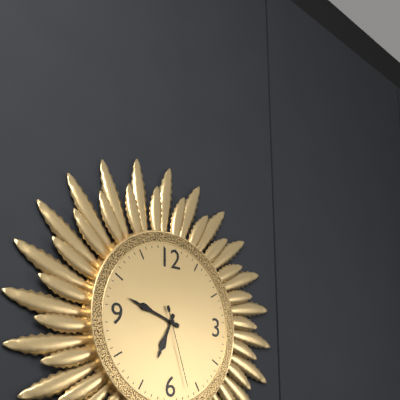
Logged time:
h=6 m=48 s=27
